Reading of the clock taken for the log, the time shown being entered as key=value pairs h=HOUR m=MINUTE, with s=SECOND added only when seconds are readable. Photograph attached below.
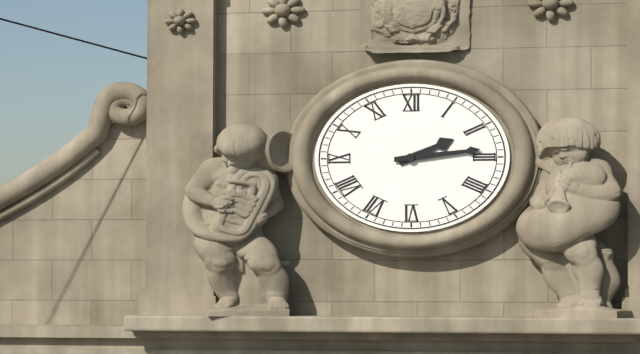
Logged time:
h=2 m=14
